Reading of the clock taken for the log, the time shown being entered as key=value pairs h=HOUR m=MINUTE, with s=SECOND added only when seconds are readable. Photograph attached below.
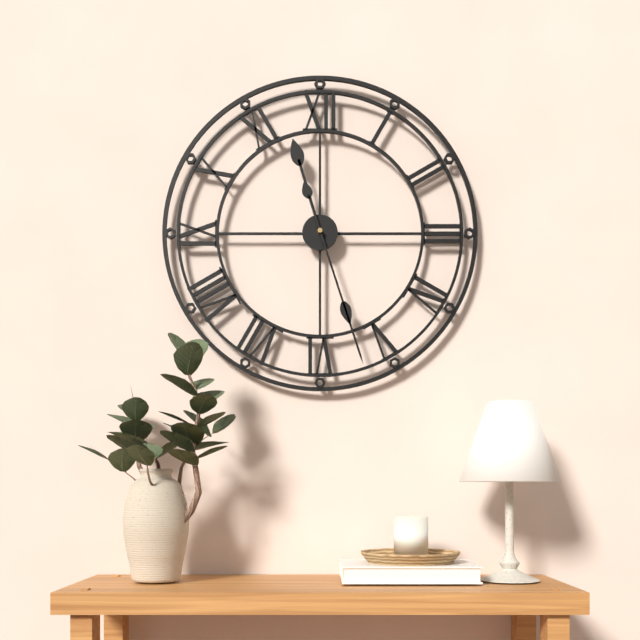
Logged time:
h=11 m=27
